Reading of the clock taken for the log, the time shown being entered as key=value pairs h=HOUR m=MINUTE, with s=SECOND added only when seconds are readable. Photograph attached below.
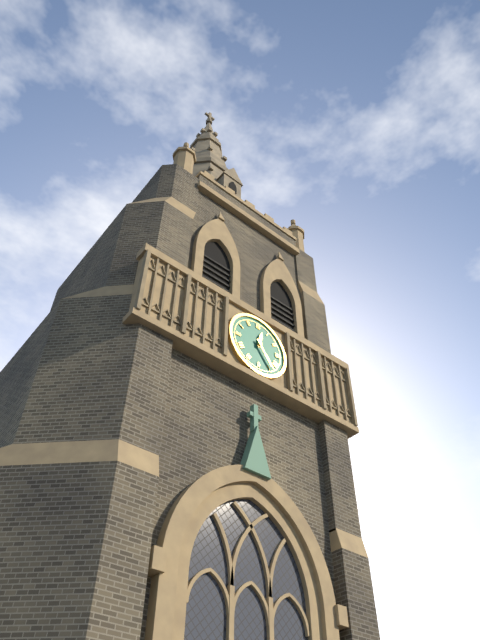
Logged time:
h=12 m=24
